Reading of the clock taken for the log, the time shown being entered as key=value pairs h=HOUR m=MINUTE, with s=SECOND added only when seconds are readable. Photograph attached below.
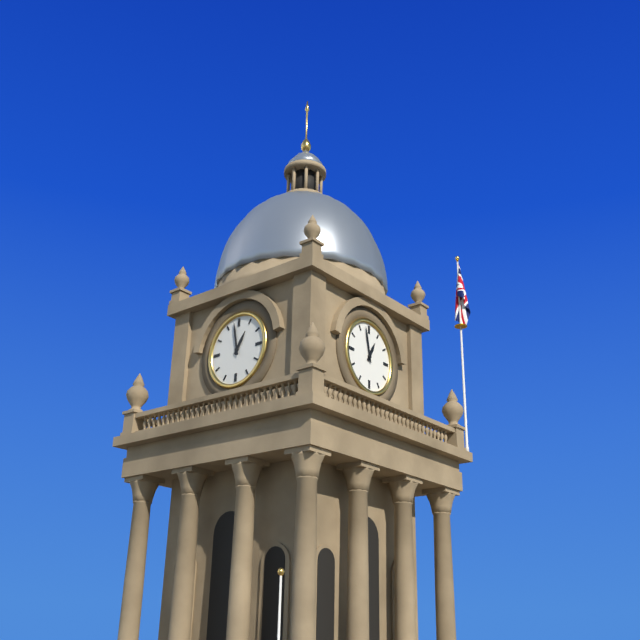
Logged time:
h=12 m=58
